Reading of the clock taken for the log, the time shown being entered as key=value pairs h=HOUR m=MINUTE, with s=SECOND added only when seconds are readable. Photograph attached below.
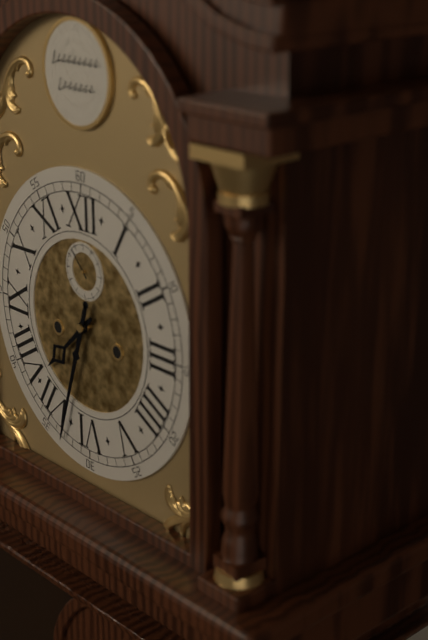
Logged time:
h=7 m=33 s=53
